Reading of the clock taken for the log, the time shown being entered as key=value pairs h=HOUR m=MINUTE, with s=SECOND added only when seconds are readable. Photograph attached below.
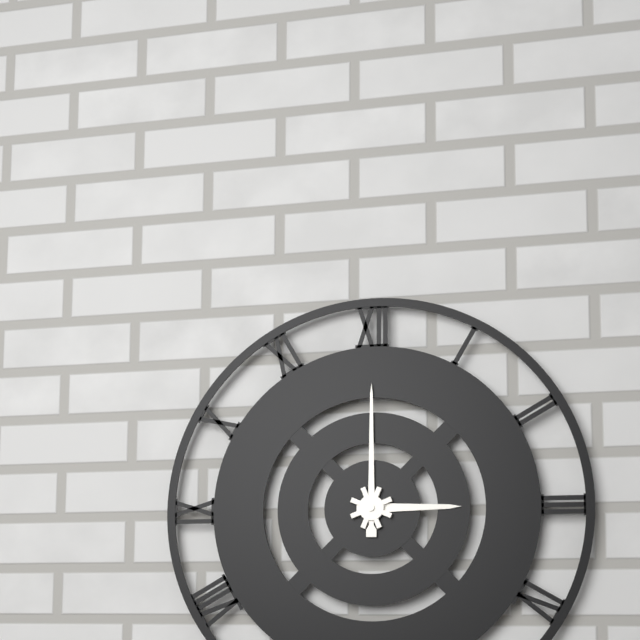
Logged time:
h=3 m=0
